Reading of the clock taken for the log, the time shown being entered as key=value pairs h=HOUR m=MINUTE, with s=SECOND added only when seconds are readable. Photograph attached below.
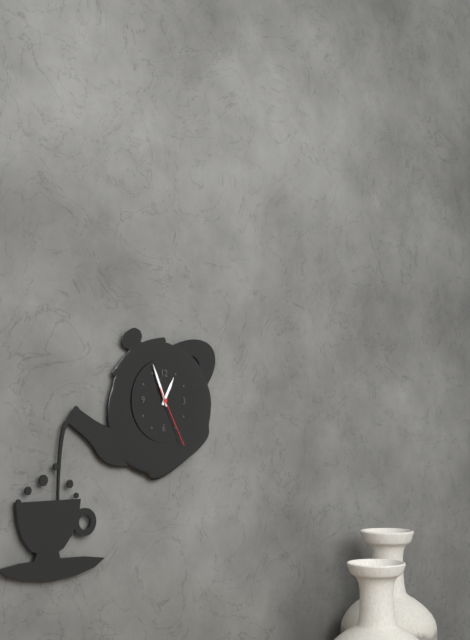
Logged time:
h=12 m=56 s=25
